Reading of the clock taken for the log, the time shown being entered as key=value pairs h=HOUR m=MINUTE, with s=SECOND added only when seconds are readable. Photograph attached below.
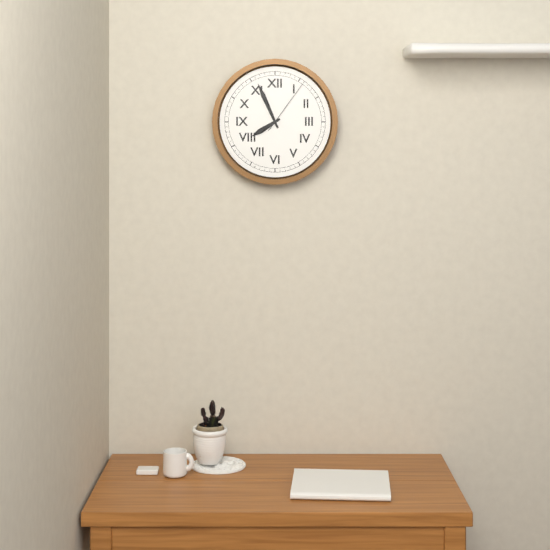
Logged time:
h=7 m=56 s=6
